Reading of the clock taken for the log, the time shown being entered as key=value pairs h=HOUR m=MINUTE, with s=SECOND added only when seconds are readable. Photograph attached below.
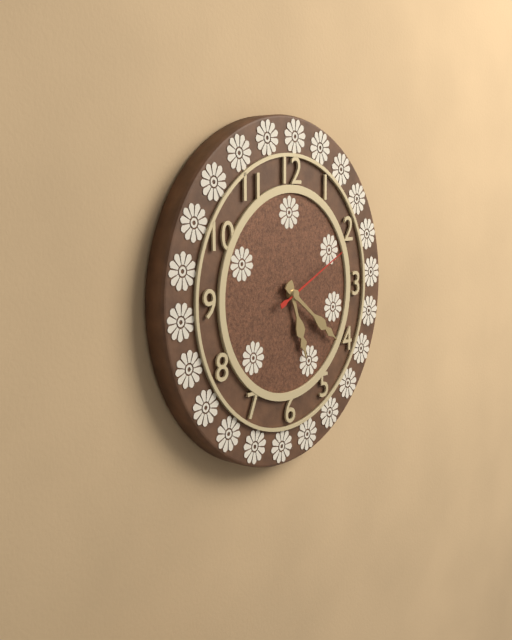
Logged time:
h=5 m=21 s=11
